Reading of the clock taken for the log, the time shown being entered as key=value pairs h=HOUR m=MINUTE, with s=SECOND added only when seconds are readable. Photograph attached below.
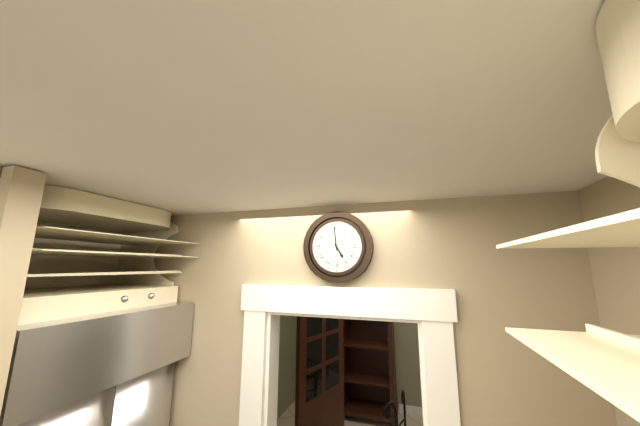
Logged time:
h=4 m=59
